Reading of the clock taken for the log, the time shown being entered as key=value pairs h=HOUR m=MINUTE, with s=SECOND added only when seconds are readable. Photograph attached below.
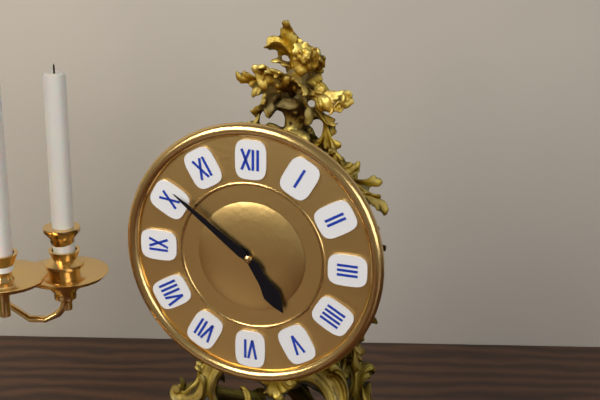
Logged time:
h=4 m=51
